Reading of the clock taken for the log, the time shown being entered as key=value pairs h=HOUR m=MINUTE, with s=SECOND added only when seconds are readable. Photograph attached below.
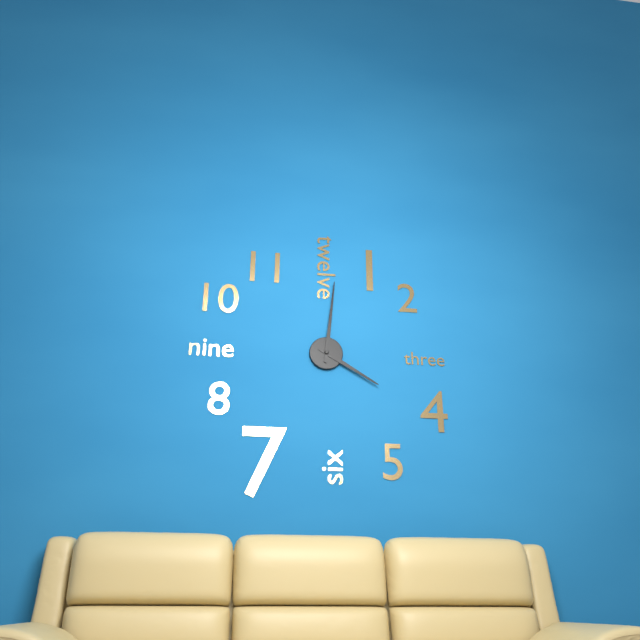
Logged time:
h=4 m=1
